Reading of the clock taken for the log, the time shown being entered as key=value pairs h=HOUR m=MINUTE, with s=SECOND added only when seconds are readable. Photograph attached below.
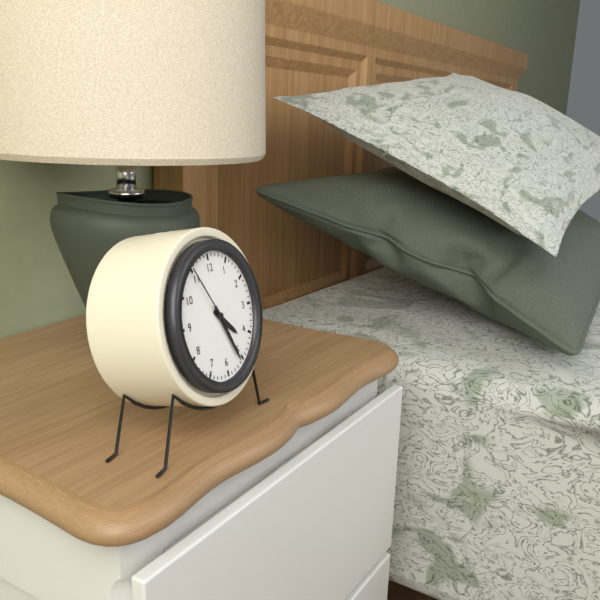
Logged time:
h=4 m=26 s=55
